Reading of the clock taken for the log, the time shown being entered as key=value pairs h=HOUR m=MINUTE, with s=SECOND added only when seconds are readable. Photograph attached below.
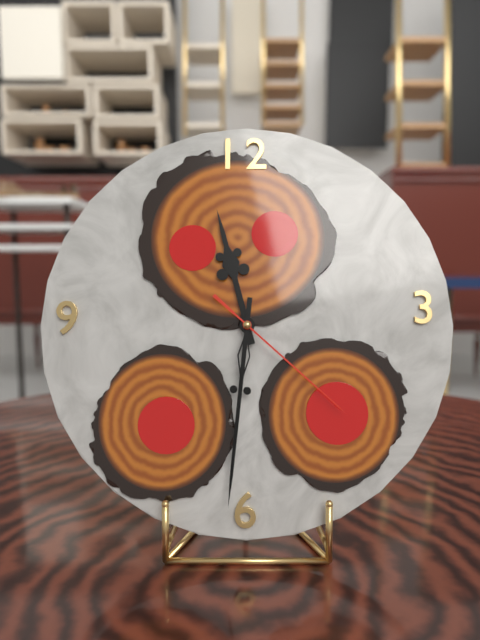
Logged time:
h=11 m=31 s=22
